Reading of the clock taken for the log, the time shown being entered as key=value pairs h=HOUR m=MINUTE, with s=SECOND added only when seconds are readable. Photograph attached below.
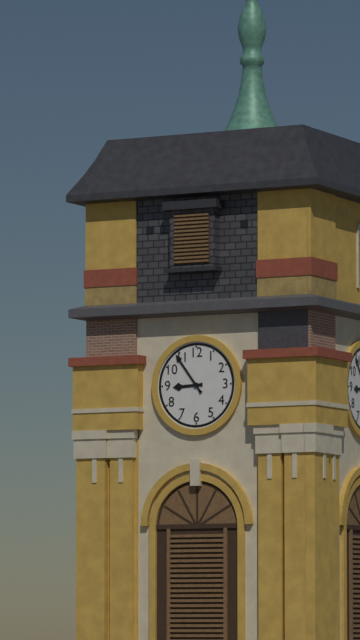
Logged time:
h=8 m=54
